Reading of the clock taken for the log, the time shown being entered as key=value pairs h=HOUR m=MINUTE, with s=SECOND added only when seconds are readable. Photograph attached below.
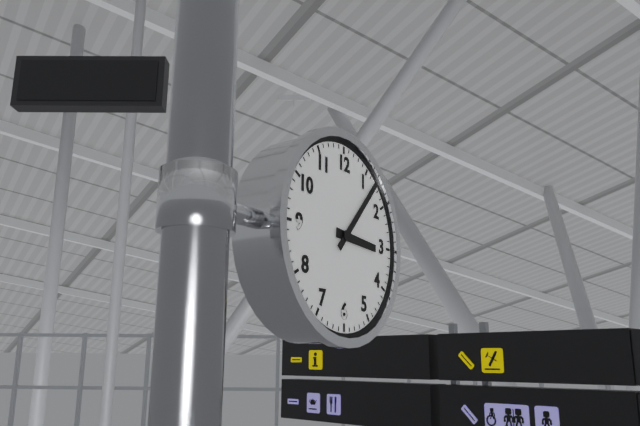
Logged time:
h=3 m=7
